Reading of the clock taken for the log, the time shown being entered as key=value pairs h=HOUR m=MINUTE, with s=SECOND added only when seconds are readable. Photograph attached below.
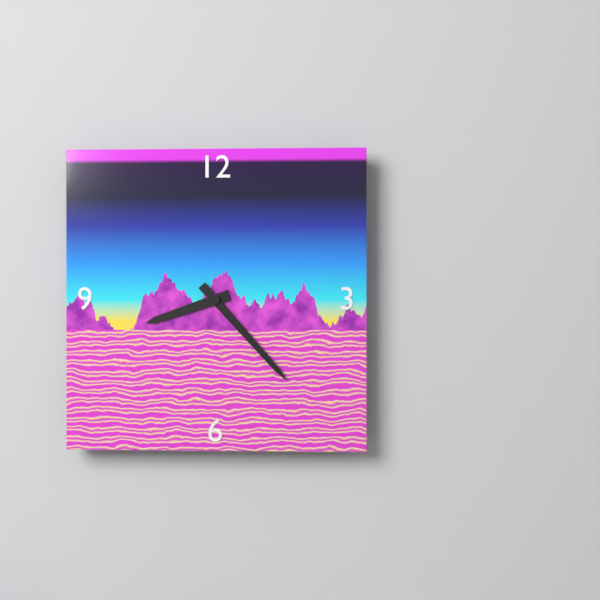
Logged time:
h=8 m=23
